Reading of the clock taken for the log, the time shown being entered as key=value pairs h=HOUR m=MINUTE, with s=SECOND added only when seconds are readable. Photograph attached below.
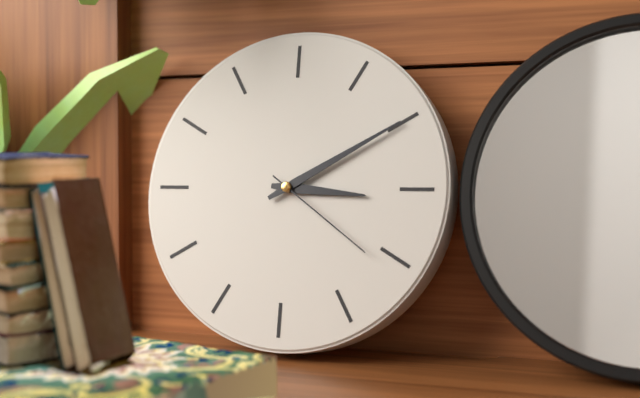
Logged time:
h=3 m=10 s=21
